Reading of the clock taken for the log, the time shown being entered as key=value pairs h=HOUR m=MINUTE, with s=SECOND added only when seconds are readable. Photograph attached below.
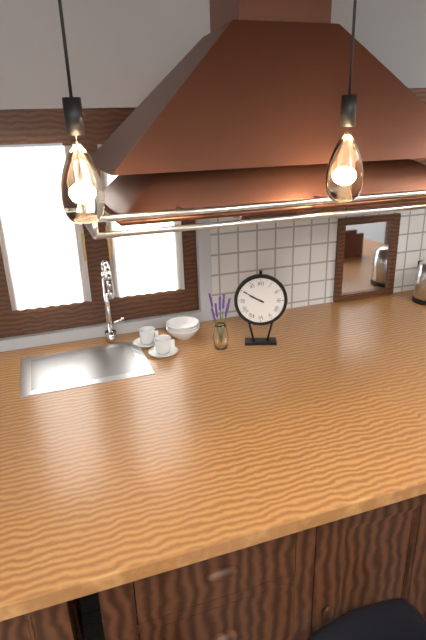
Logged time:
h=9 m=50
